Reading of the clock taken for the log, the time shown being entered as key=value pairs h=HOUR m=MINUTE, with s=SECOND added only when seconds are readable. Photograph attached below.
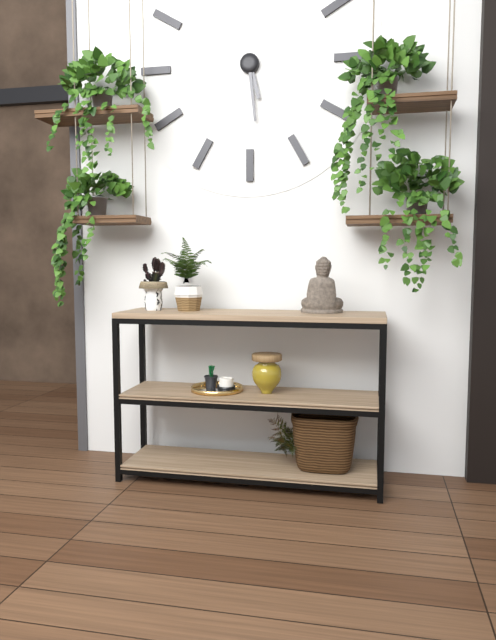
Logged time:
h=5 m=29
